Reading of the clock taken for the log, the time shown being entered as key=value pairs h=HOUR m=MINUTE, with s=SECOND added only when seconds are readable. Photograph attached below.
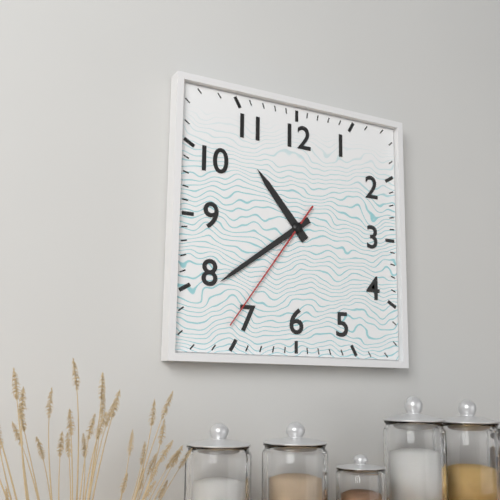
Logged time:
h=10 m=39 s=36
